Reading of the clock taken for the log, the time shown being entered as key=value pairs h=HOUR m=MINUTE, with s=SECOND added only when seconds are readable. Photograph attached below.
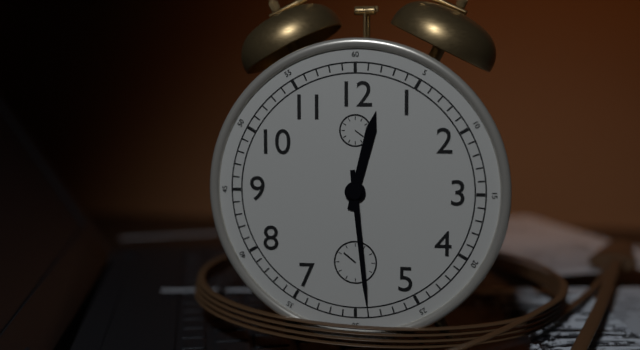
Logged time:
h=12 m=29
